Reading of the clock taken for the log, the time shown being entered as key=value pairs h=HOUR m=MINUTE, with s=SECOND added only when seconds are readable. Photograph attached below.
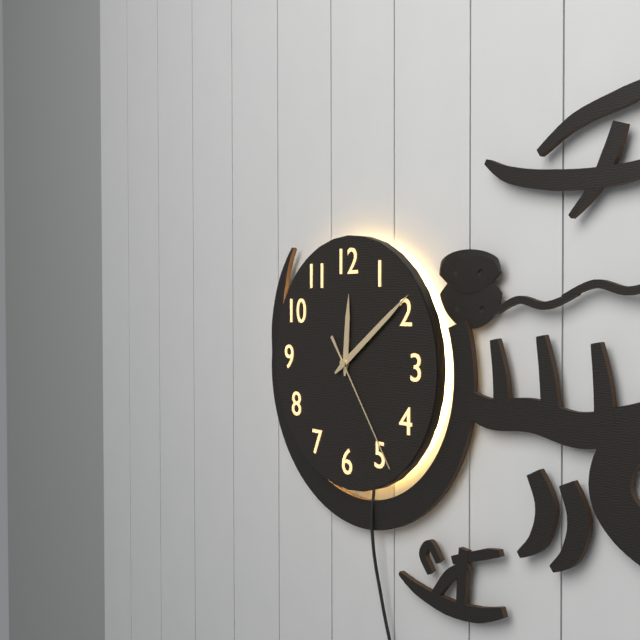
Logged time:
h=12 m=9 s=24
